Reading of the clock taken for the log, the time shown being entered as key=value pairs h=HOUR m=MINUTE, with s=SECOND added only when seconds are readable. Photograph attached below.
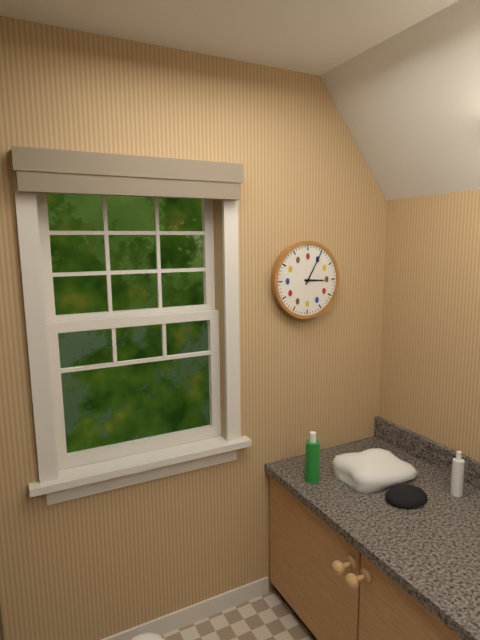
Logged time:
h=3 m=5
